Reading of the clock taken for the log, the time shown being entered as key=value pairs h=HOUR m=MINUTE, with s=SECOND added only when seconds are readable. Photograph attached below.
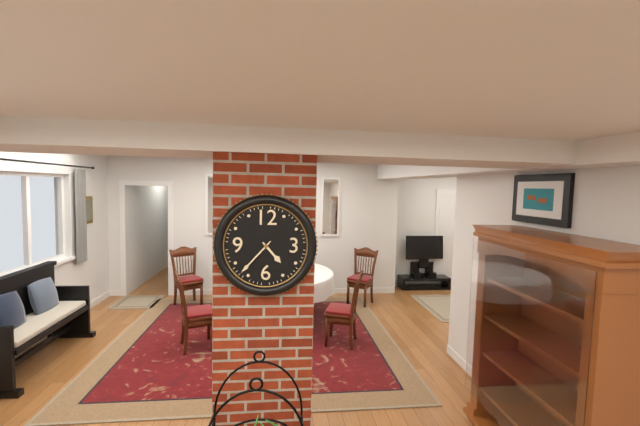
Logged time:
h=4 m=37
